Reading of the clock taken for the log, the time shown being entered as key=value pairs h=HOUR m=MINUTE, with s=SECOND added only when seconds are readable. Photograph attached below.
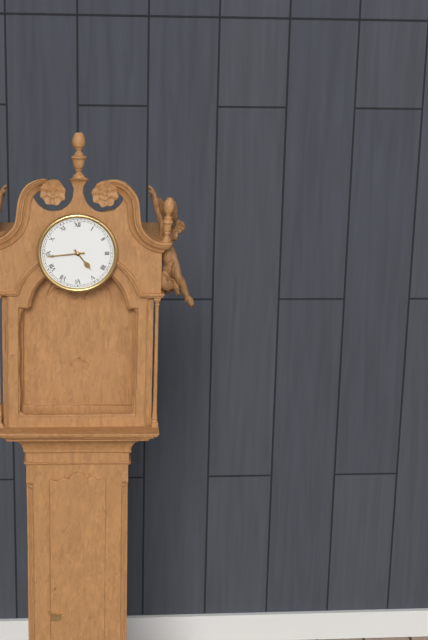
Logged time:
h=4 m=44
